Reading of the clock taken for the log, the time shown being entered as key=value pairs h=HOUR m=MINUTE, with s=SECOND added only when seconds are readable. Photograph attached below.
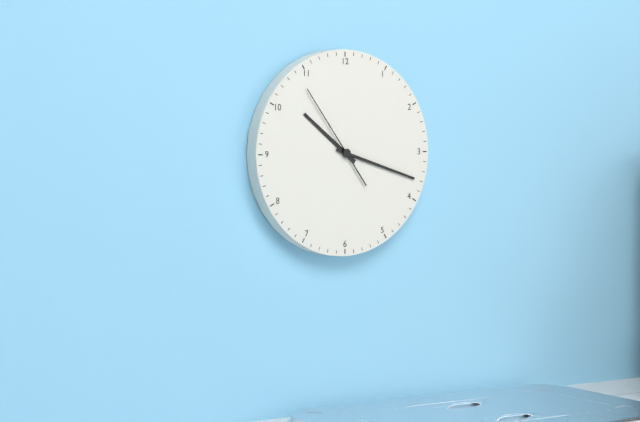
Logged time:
h=10 m=18 s=54
